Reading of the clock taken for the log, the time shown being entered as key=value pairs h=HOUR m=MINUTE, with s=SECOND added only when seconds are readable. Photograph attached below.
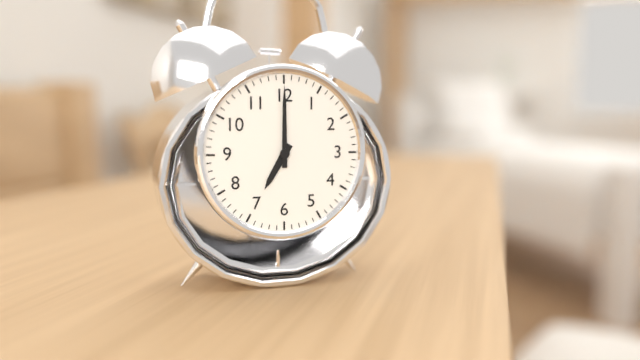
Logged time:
h=7 m=0
